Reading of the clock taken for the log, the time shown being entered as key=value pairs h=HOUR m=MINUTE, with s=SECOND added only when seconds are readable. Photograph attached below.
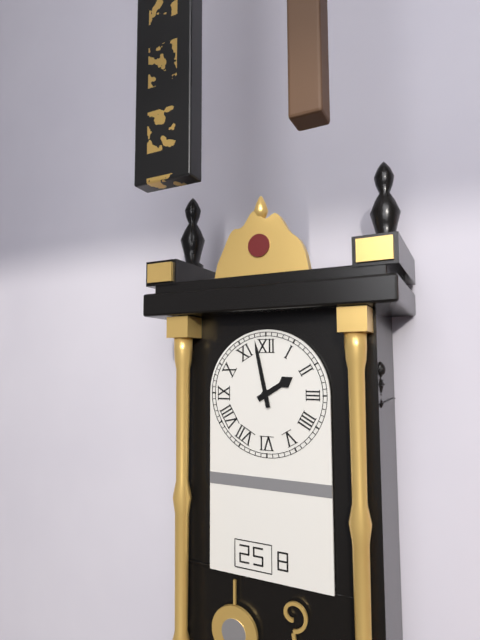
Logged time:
h=1 m=58
